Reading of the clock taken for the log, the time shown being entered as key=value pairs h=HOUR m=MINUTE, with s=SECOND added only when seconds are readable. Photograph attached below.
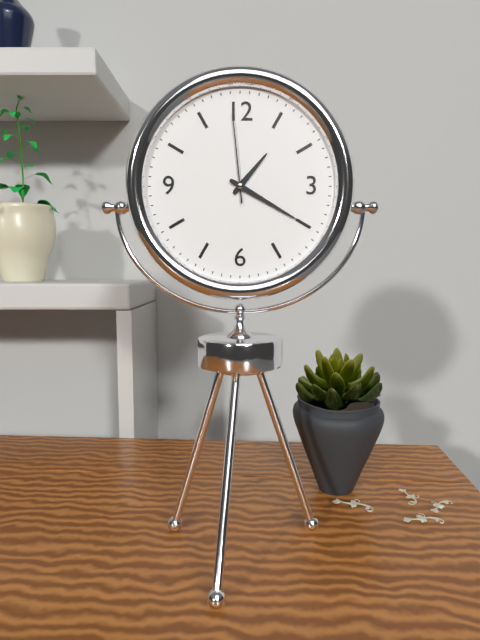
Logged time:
h=1 m=20 s=59
